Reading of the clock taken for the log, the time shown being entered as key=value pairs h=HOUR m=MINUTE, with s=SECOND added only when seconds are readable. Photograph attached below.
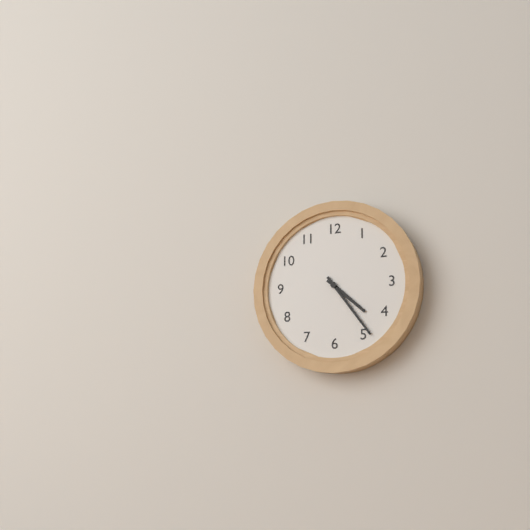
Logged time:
h=4 m=24
